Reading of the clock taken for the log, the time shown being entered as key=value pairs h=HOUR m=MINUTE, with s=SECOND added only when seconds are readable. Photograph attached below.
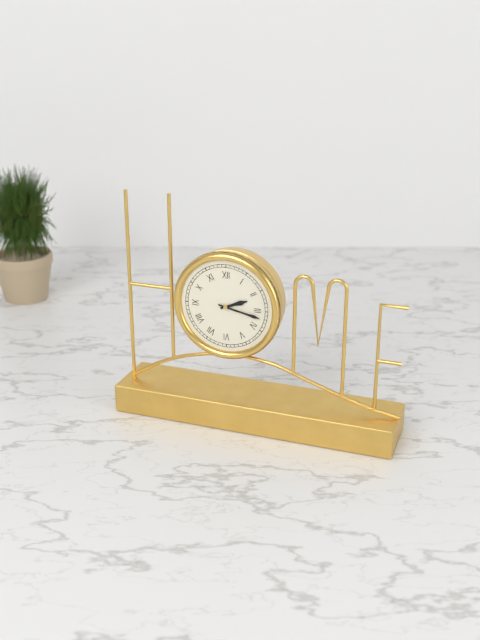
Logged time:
h=2 m=17
